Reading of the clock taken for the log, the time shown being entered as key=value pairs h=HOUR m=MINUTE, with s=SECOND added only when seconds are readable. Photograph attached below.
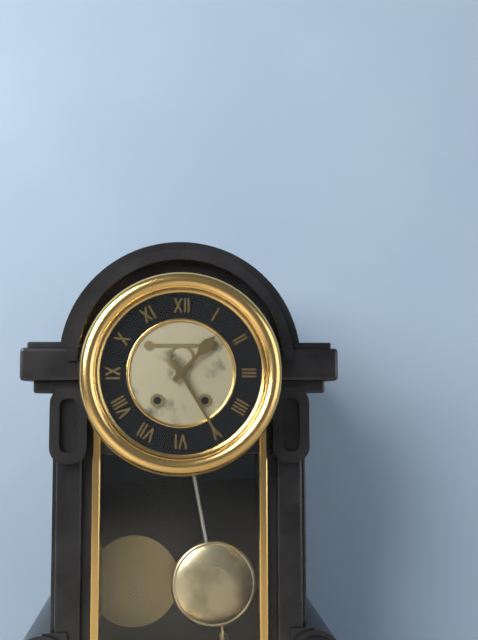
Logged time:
h=1 m=25
